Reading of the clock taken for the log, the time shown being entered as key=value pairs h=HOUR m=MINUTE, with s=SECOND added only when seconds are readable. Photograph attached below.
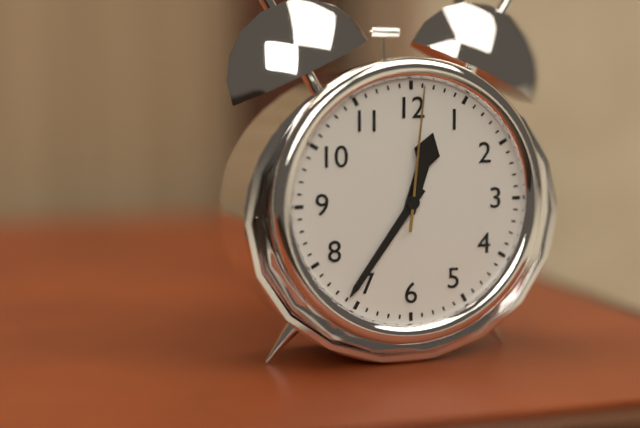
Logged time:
h=12 m=36 s=1
